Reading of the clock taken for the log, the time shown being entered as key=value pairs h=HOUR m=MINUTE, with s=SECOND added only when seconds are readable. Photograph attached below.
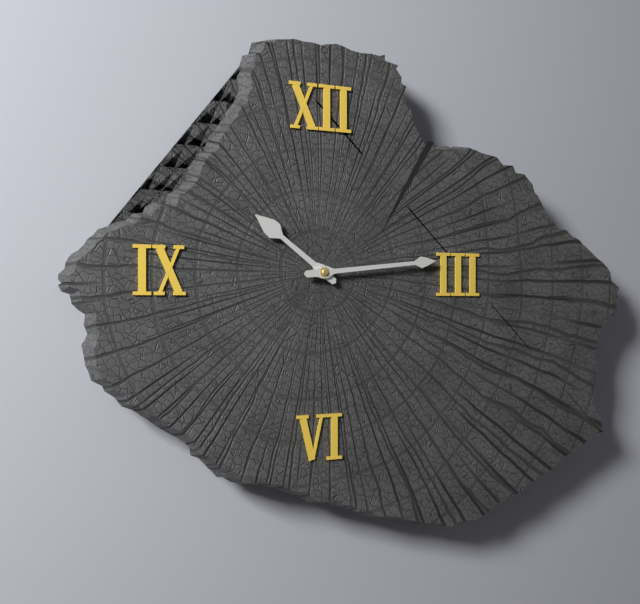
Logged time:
h=10 m=14
